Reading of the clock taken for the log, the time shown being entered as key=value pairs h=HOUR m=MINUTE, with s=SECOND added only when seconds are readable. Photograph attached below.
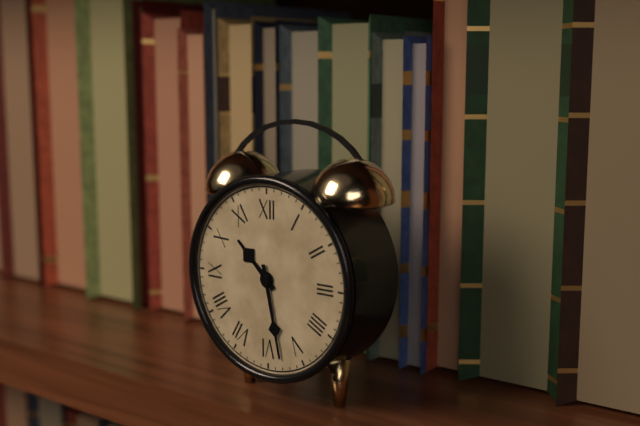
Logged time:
h=10 m=28
